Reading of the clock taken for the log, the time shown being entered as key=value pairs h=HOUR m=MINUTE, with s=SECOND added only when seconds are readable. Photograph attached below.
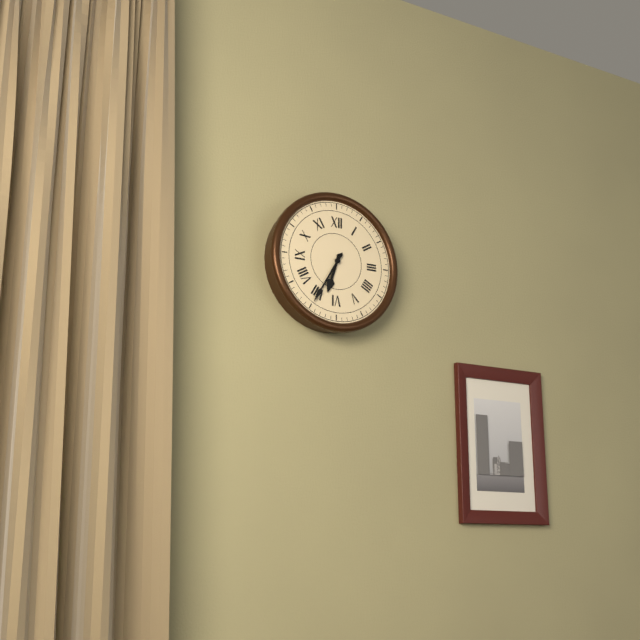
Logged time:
h=6 m=35
